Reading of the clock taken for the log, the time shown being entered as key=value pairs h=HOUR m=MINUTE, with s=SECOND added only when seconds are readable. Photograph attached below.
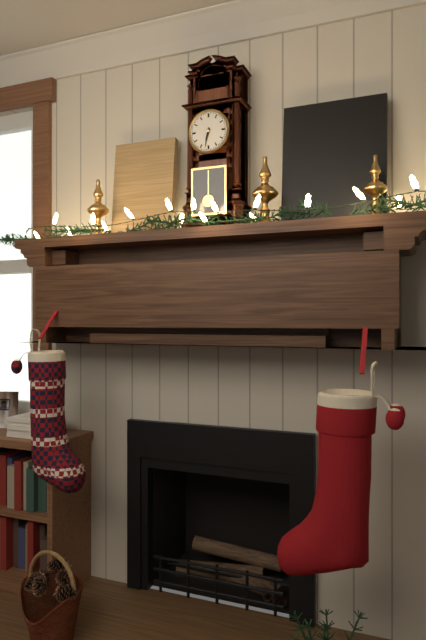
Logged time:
h=6 m=32
